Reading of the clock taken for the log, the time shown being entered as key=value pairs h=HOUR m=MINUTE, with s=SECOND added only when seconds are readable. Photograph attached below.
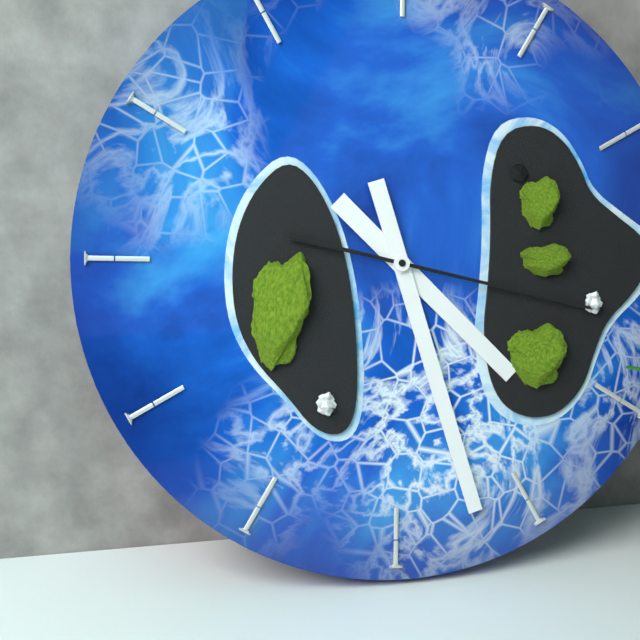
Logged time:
h=4 m=27 s=17
